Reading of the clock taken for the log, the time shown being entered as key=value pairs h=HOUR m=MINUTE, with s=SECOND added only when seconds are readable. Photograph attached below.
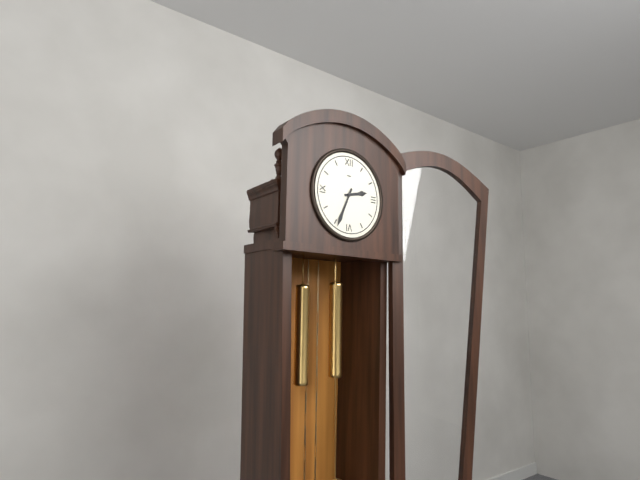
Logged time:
h=2 m=34
